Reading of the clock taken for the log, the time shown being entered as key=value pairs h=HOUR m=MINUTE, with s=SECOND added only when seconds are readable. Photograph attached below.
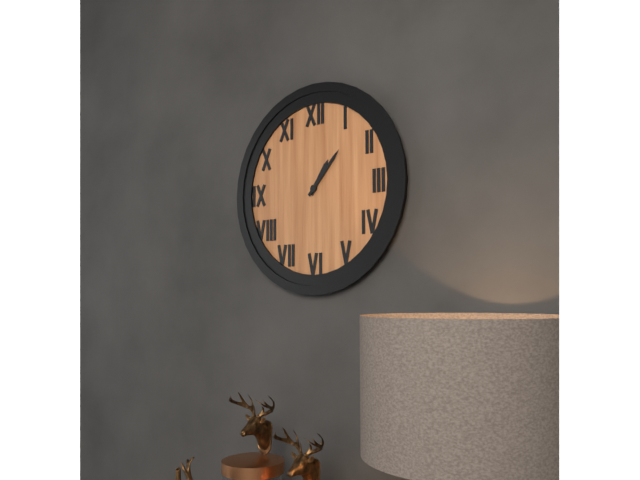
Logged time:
h=1 m=7
